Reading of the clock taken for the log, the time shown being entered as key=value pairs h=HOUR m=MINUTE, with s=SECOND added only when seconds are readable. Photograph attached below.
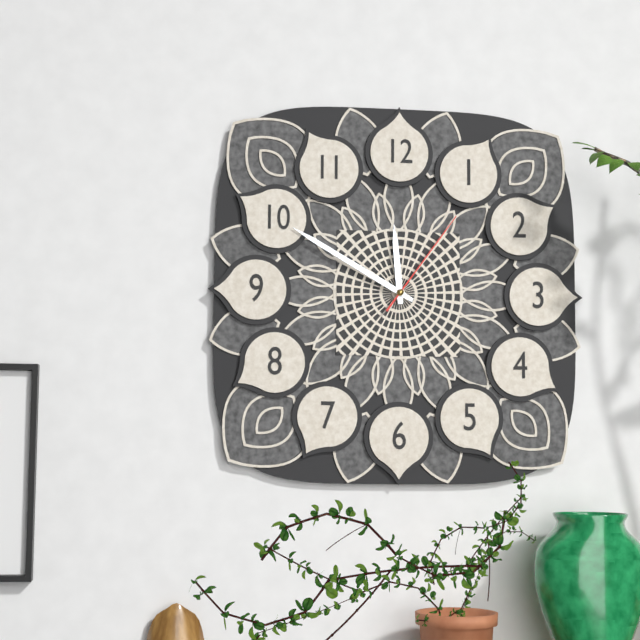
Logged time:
h=11 m=50 s=6
